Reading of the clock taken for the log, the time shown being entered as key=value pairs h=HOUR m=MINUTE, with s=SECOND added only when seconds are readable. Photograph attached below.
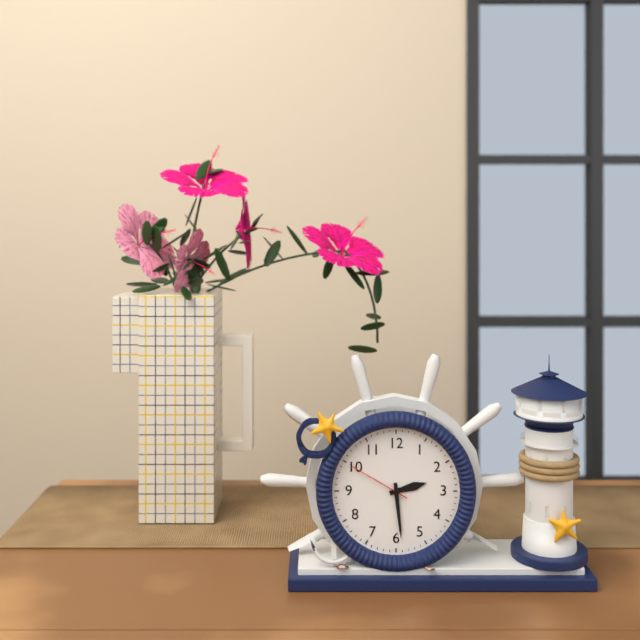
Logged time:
h=2 m=29 s=50
